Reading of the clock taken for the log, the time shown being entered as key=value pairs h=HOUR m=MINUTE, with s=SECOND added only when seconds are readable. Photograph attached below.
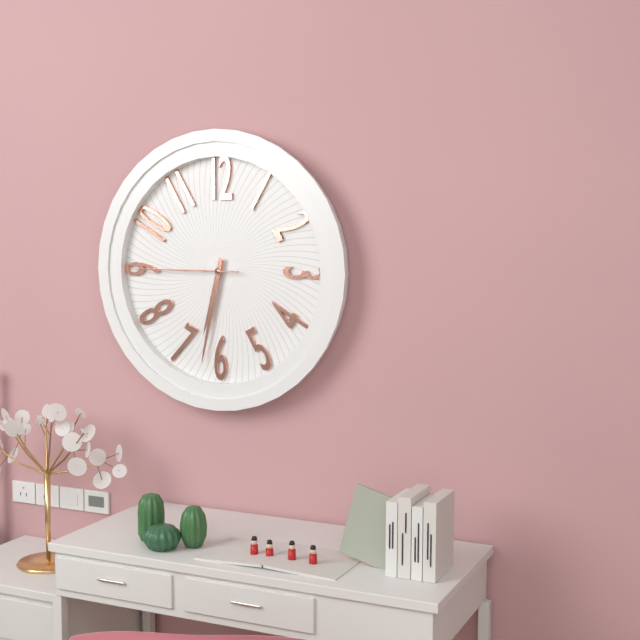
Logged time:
h=6 m=32 s=45
